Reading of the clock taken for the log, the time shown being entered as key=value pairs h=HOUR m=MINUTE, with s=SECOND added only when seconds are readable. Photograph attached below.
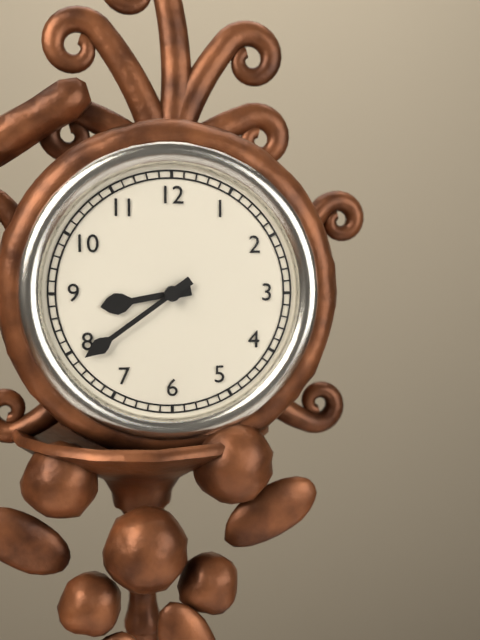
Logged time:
h=8 m=39
